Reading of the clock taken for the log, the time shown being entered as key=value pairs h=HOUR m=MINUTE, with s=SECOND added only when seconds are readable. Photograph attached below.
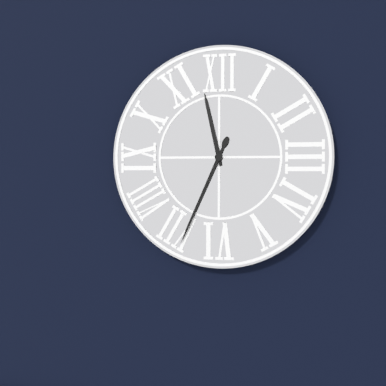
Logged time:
h=11 m=34
